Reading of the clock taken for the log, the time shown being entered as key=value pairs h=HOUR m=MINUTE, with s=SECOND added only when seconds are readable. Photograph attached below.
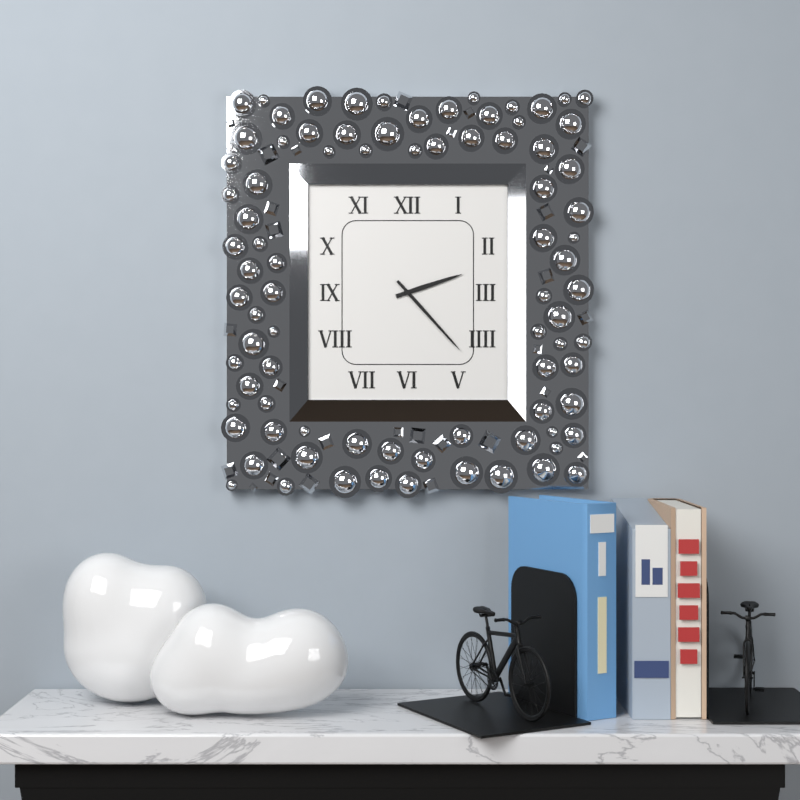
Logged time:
h=2 m=23
